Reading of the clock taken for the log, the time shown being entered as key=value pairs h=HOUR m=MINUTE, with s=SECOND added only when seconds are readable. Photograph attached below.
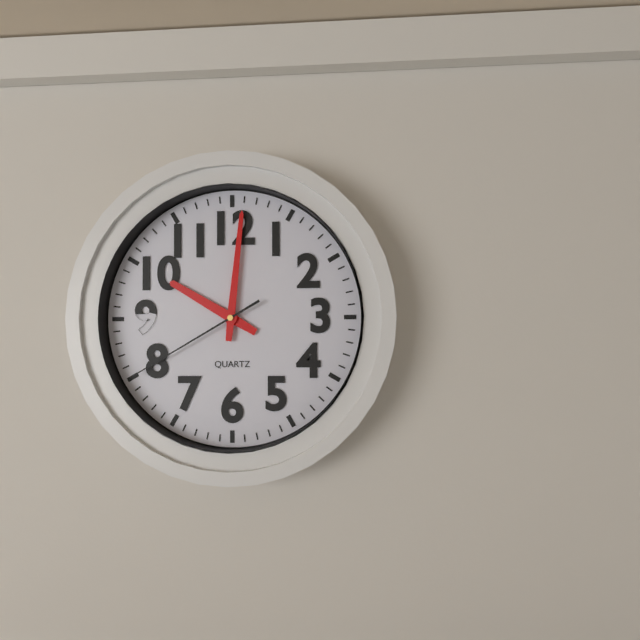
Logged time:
h=10 m=1 s=40
